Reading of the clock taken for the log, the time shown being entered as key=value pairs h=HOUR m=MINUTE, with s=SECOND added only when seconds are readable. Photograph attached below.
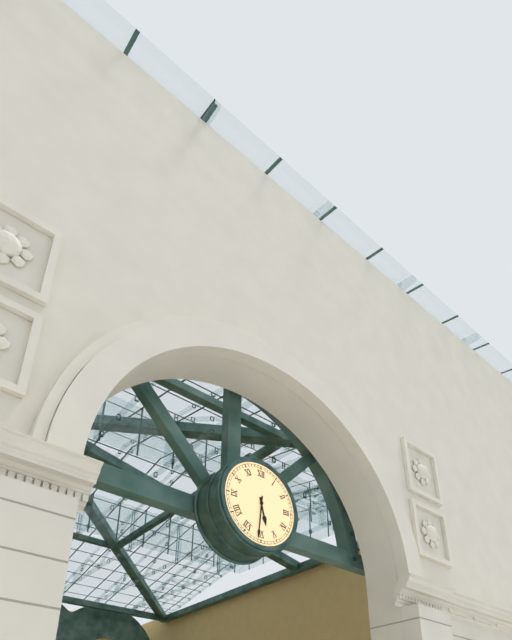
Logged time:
h=5 m=31
